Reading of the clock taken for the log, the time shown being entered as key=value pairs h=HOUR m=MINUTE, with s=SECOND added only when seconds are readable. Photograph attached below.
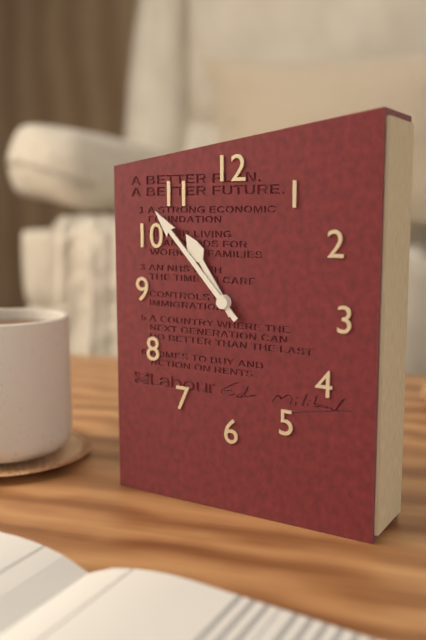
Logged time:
h=10 m=53
